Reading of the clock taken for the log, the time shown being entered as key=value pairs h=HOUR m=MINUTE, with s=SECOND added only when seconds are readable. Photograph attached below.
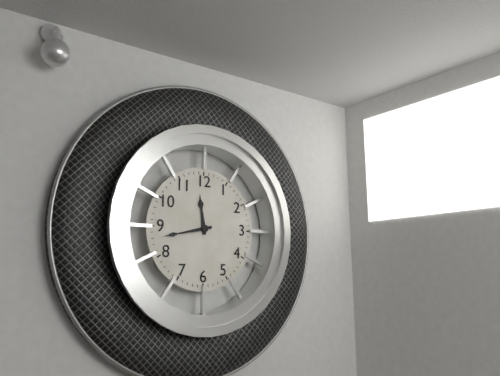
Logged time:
h=11 m=43
